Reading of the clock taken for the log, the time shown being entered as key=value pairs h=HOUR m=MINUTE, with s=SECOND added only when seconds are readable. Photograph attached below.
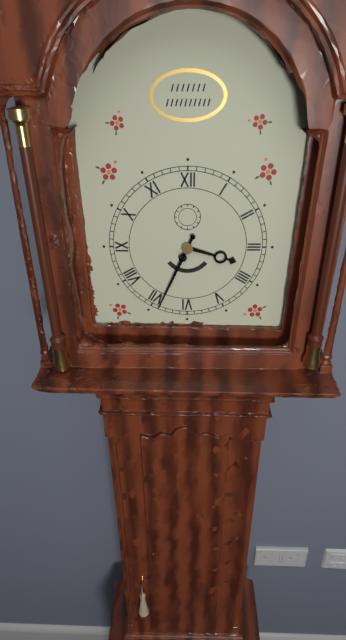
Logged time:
h=3 m=34
